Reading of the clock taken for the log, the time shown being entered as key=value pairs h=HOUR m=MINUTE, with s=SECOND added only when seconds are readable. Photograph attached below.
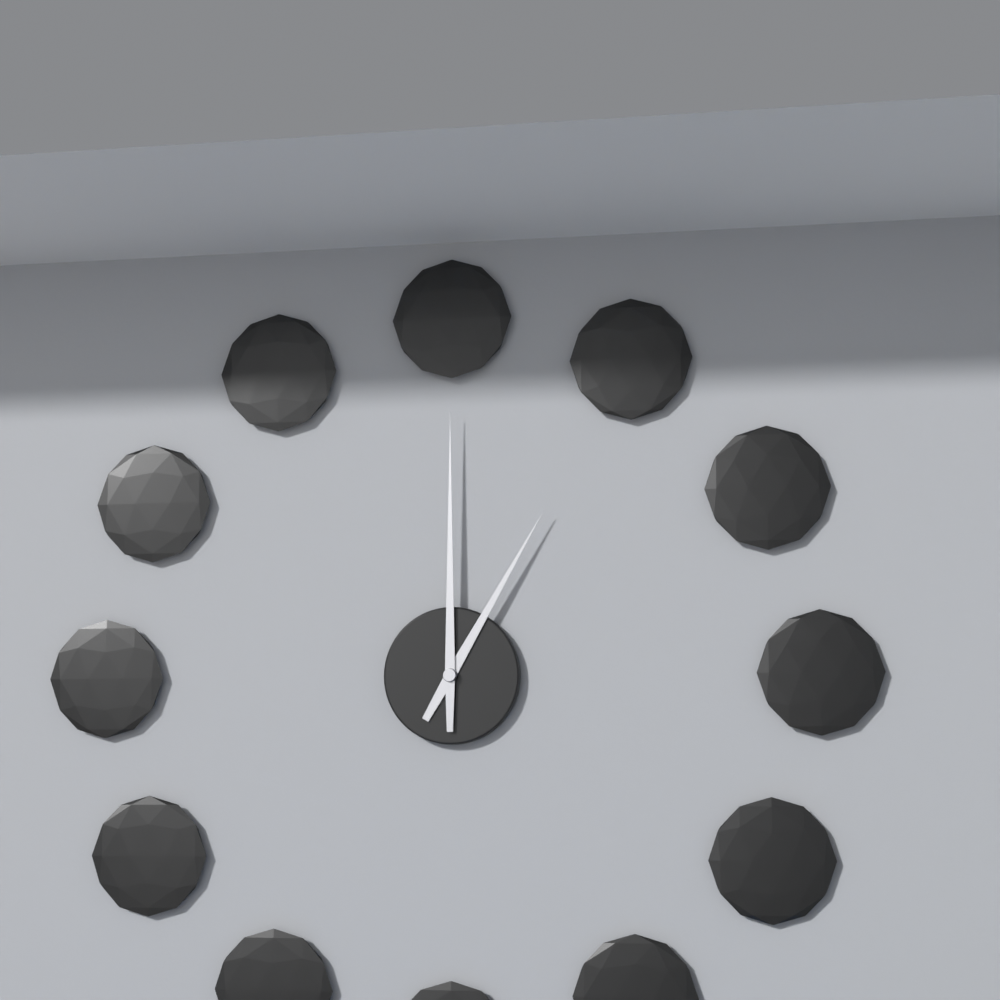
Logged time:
h=1 m=0
